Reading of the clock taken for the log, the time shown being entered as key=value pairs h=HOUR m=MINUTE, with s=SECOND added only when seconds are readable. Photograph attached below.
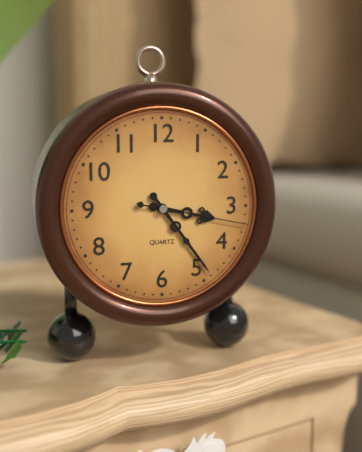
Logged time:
h=3 m=24 s=17
